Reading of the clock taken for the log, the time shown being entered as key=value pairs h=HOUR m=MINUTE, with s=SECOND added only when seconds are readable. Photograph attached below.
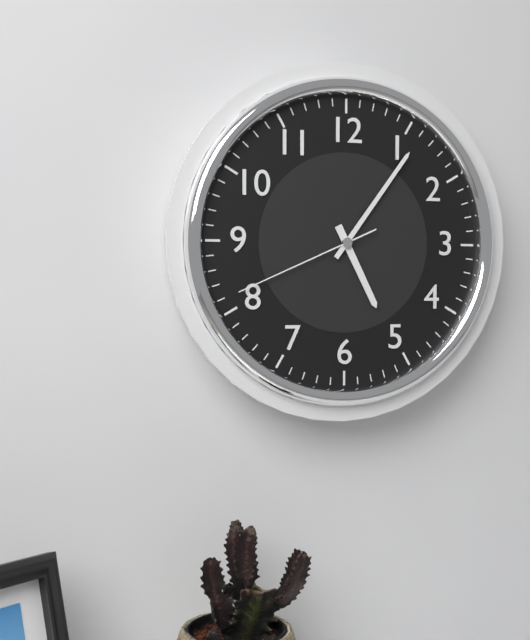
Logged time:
h=5 m=6 s=41
